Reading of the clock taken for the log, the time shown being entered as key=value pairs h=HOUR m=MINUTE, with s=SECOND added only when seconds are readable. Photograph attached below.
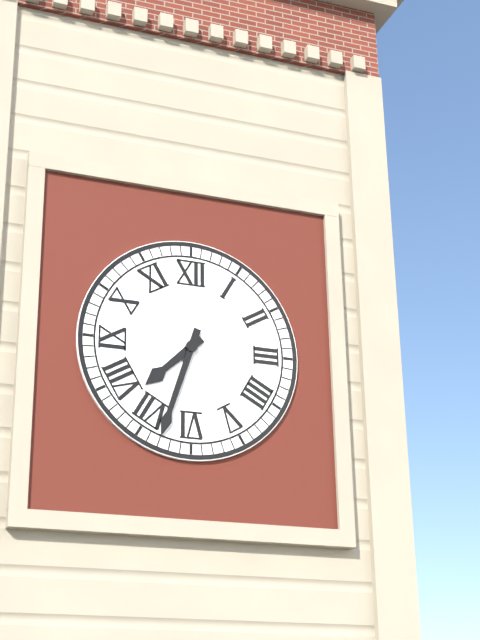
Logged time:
h=7 m=33
